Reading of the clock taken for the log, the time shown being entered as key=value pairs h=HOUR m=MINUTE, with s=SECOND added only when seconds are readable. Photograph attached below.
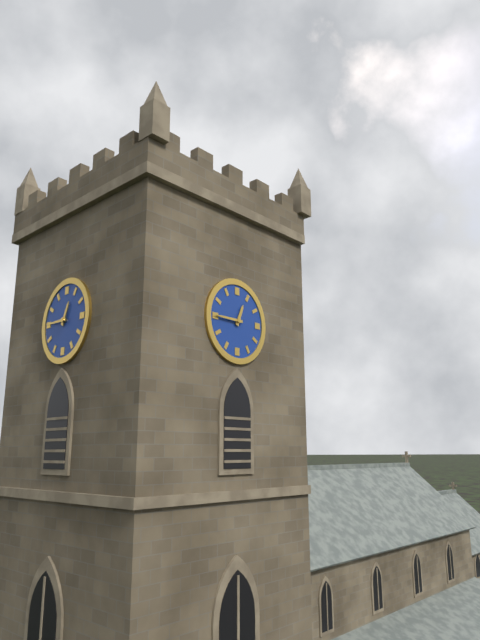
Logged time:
h=12 m=45
